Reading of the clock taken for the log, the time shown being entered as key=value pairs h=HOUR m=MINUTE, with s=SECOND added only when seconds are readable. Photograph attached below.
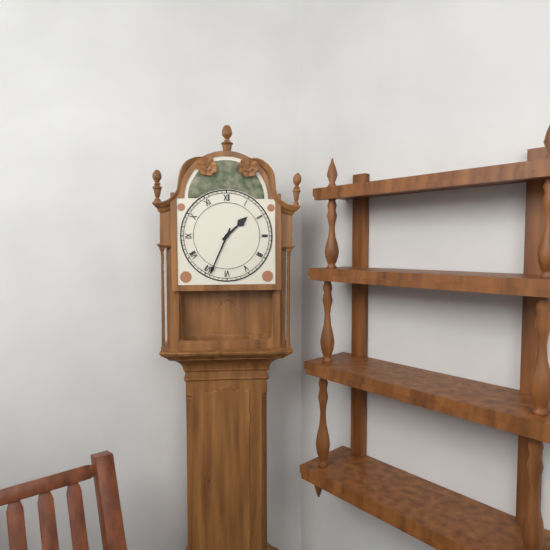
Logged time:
h=1 m=34
